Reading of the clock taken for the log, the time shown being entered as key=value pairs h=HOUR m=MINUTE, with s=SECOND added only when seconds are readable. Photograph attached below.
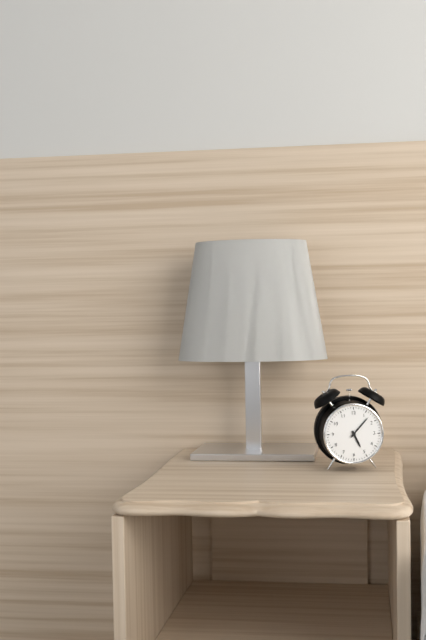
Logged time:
h=5 m=7
